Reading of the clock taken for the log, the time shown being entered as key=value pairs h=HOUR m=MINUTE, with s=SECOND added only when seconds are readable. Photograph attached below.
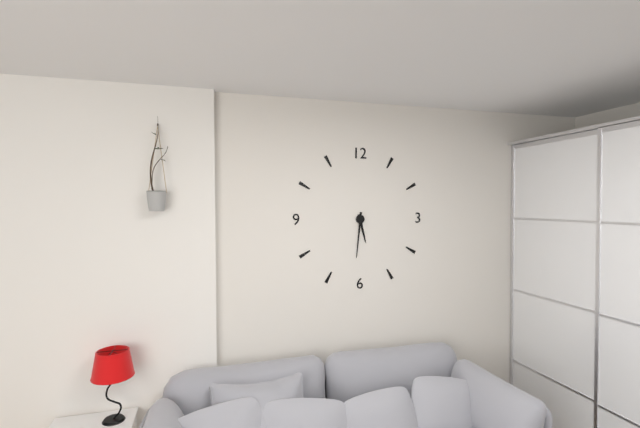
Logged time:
h=5 m=31
